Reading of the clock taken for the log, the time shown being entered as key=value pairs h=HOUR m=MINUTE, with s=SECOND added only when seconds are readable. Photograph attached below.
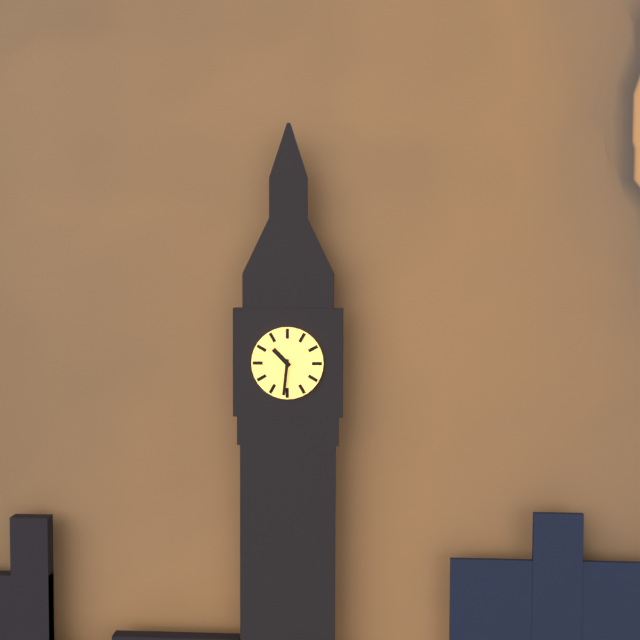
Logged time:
h=10 m=31
